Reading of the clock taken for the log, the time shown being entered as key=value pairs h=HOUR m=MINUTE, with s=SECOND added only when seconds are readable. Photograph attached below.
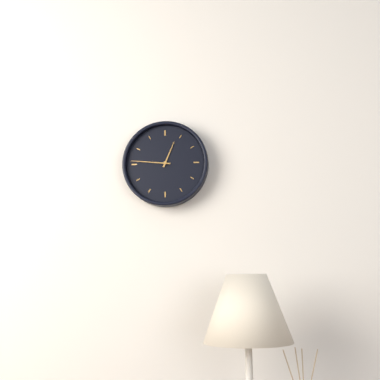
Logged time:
h=12 m=46
